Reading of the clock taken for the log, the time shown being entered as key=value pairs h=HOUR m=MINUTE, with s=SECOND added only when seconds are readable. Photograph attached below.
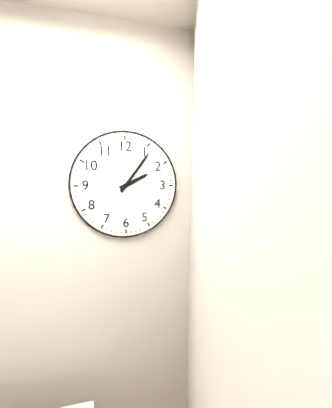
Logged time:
h=2 m=6
